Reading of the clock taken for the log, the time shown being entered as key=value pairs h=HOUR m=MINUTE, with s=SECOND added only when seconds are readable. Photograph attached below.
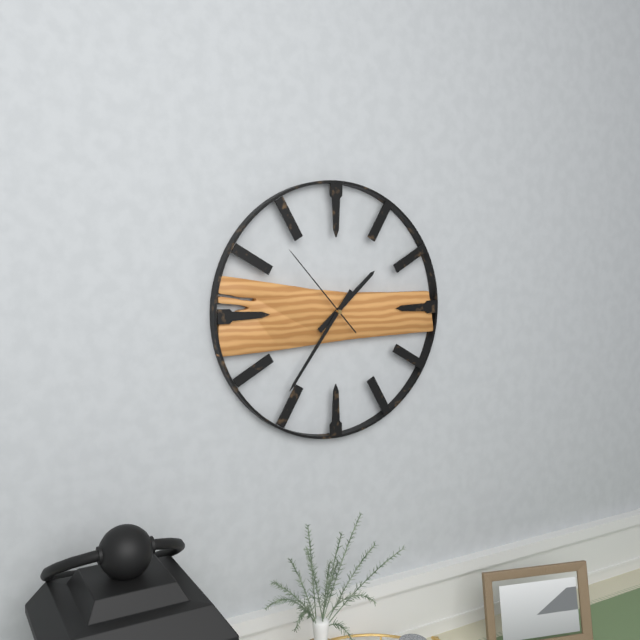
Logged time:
h=1 m=36 s=53
